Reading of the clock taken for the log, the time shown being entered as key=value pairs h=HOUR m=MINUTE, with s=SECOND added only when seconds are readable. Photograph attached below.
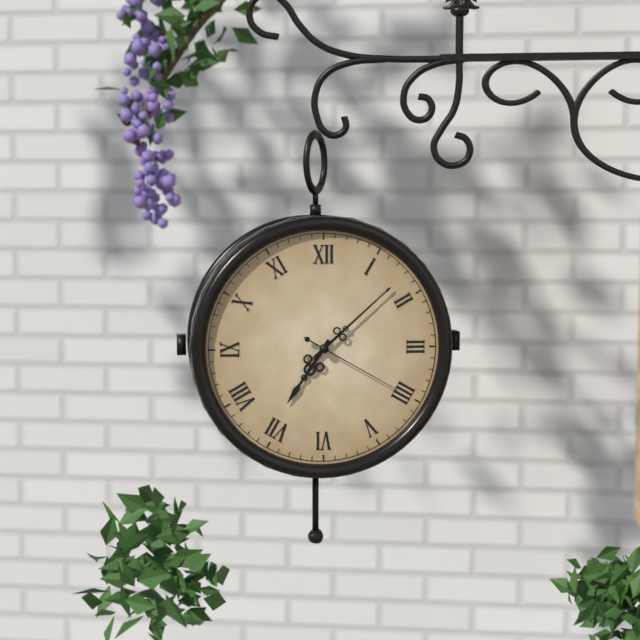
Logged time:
h=7 m=8 s=20
